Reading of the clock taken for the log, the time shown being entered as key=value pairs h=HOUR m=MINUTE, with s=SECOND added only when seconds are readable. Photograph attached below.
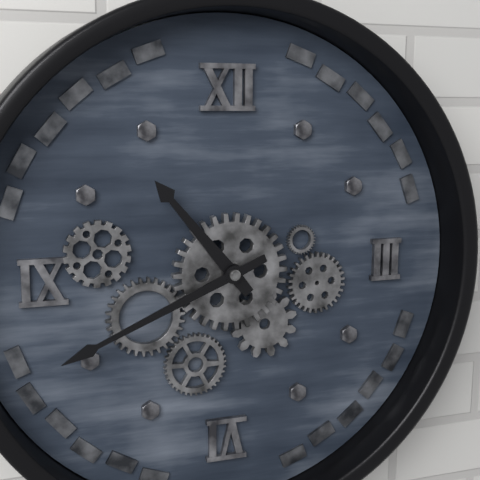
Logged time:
h=10 m=41
